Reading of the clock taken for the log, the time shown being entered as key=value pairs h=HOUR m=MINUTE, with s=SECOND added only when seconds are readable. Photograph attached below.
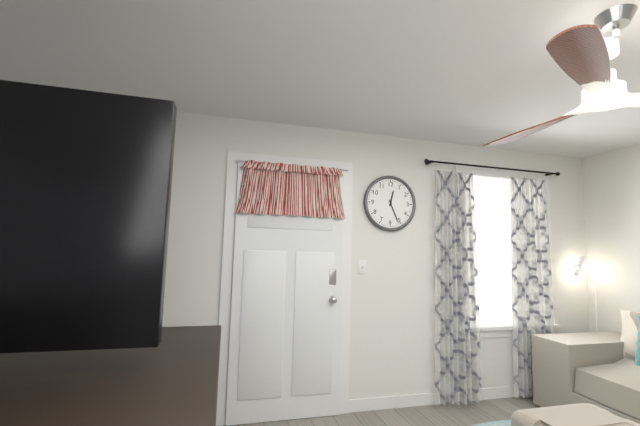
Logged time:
h=12 m=26
